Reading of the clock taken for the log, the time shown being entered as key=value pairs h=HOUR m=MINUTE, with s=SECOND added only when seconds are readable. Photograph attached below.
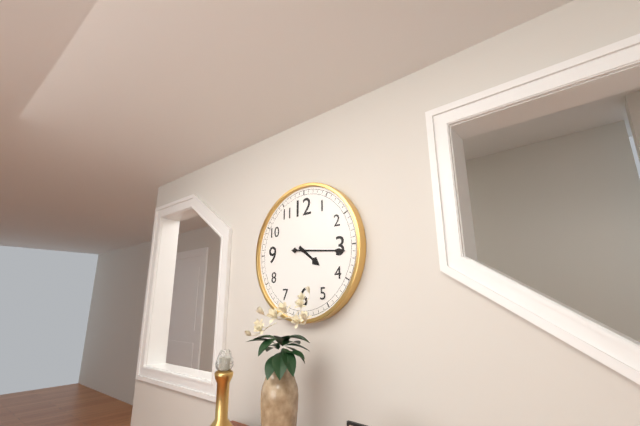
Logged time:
h=4 m=16
